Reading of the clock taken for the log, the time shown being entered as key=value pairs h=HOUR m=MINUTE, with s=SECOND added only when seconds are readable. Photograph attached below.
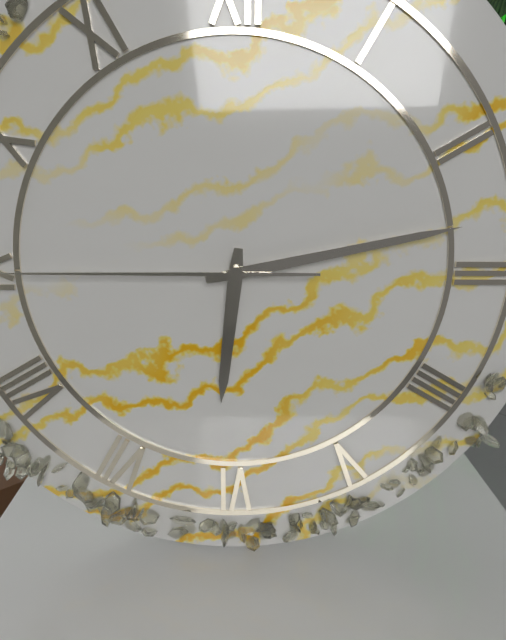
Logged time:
h=6 m=13
